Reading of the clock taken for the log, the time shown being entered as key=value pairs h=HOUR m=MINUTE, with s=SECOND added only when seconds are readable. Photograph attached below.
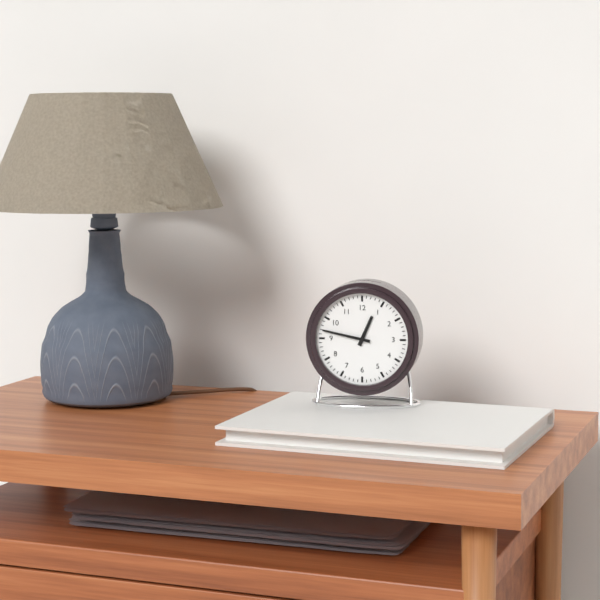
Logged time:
h=12 m=47
